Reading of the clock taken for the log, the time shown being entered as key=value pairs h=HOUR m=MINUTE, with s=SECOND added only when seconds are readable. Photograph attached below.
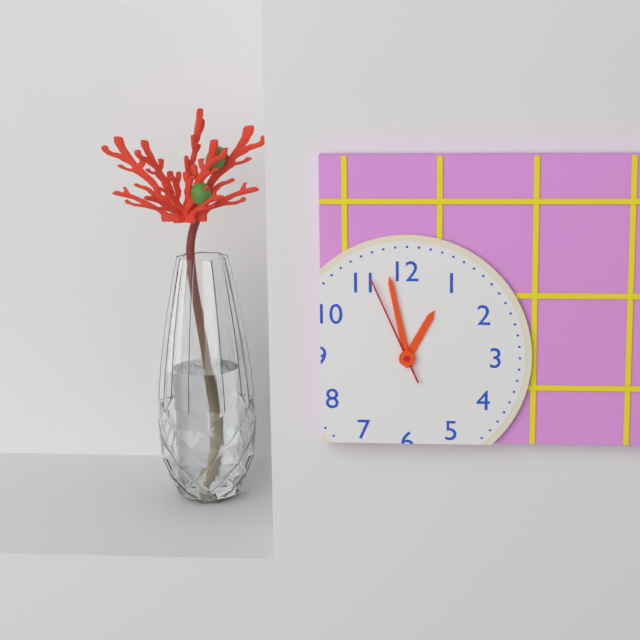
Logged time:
h=12 m=58 s=56
